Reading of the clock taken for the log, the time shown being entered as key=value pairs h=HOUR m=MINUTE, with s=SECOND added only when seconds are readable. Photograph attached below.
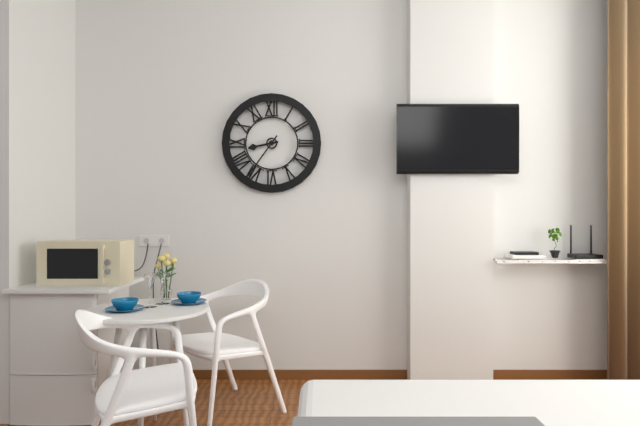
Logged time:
h=8 m=36
